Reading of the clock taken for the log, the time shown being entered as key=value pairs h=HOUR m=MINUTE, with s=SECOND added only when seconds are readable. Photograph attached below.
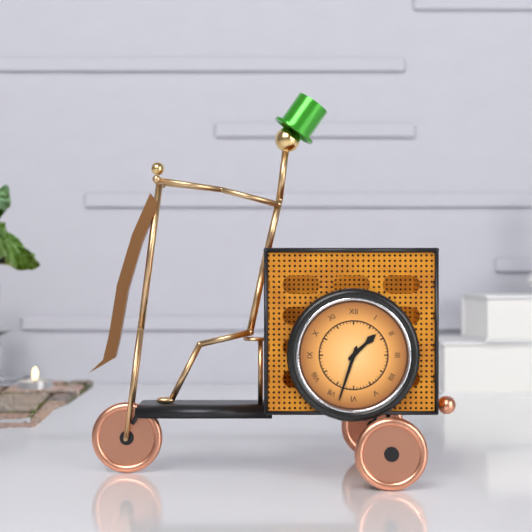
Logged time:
h=1 m=33
